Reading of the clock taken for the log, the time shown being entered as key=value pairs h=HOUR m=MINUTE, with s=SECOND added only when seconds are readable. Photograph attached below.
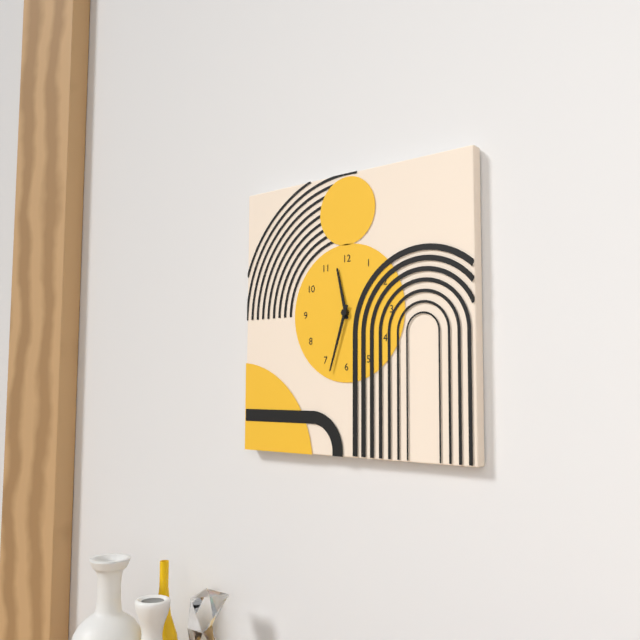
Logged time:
h=11 m=33
